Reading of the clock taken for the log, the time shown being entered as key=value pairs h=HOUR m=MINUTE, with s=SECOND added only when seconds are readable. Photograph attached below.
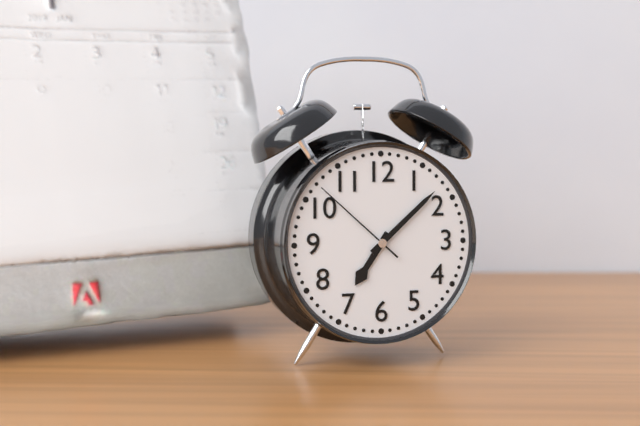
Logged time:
h=7 m=8 s=52
